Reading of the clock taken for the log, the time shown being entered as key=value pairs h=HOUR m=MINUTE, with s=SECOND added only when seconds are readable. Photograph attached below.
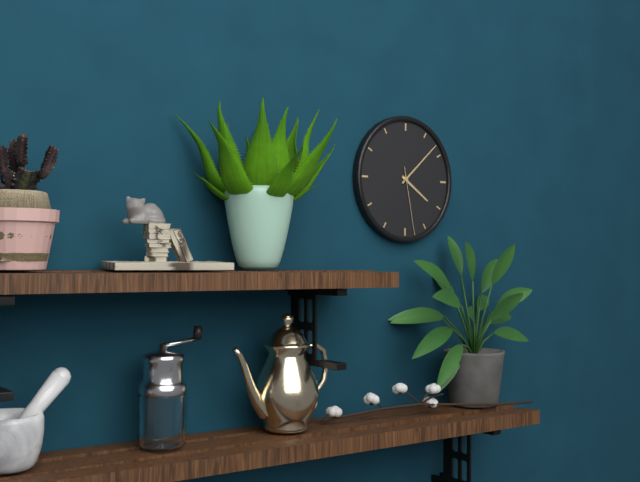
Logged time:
h=4 m=8 s=28
